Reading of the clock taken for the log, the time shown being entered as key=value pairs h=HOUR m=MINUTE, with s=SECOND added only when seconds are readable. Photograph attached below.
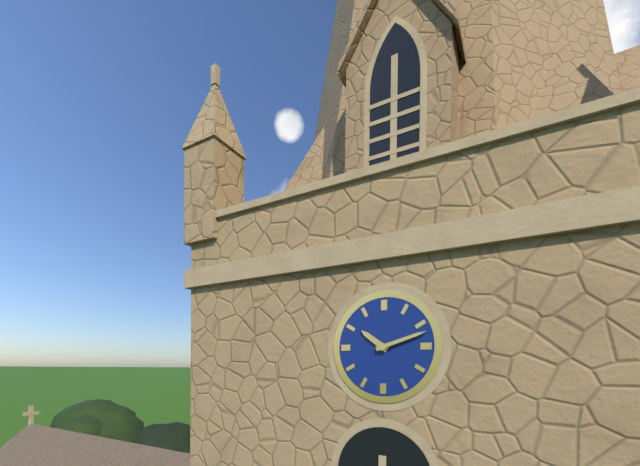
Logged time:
h=10 m=12
